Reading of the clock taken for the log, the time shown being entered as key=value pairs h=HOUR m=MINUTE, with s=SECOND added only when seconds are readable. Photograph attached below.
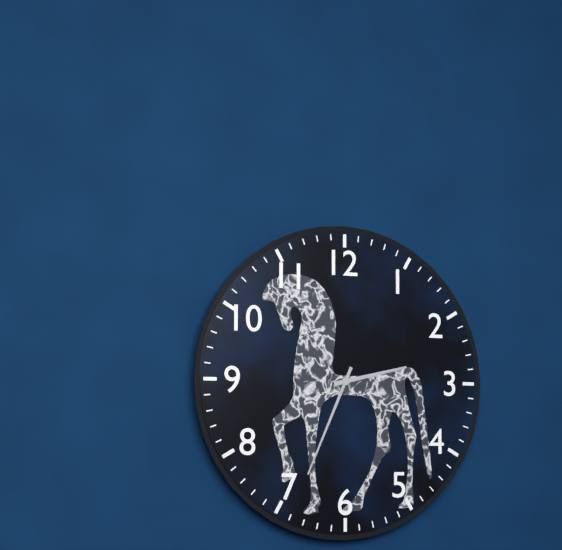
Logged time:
h=2 m=34
